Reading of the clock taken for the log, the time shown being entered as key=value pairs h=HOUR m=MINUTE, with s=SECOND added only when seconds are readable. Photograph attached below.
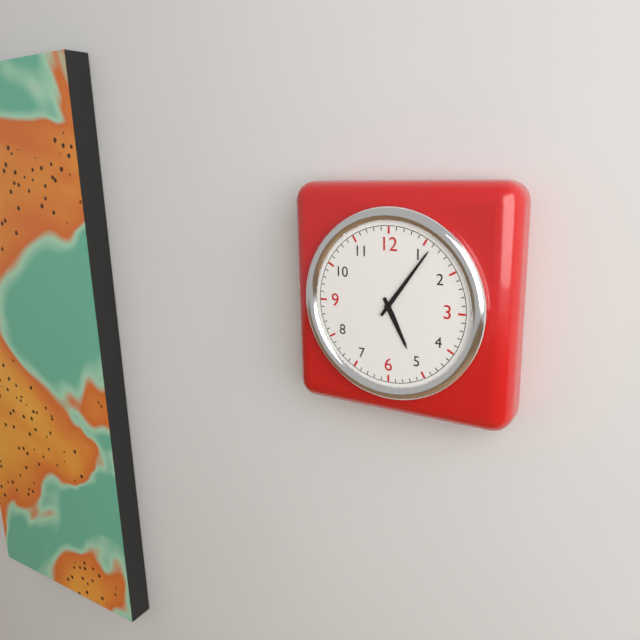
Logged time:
h=5 m=6
